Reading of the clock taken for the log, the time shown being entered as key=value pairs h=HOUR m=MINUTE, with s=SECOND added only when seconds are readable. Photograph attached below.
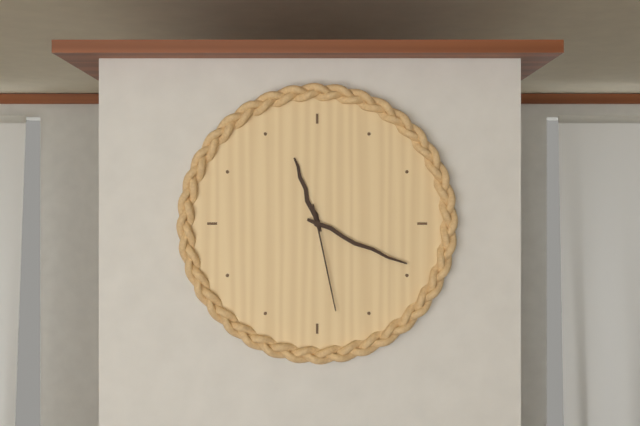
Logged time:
h=11 m=19 s=28
